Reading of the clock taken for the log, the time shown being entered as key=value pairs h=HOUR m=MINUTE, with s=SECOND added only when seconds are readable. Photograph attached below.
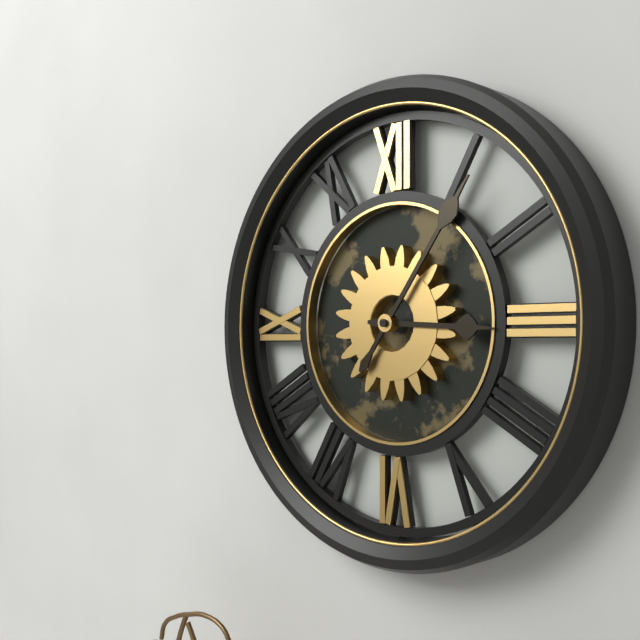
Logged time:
h=3 m=6
